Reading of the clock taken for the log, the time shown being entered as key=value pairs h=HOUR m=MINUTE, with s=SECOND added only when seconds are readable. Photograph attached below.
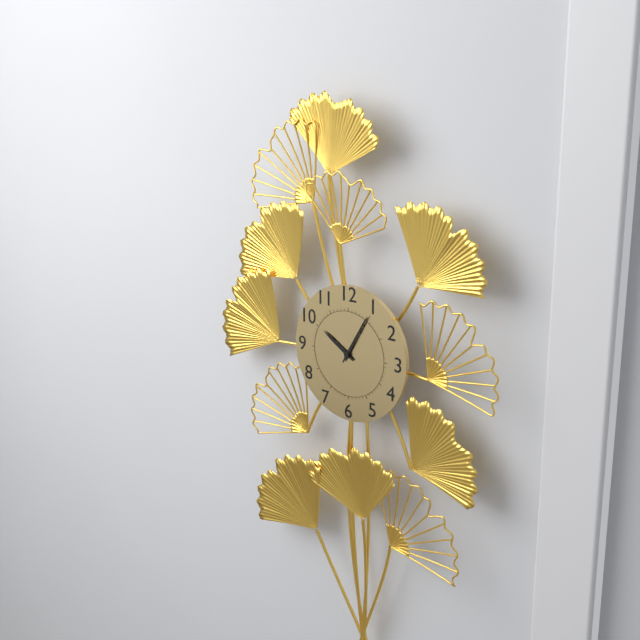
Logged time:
h=10 m=5
